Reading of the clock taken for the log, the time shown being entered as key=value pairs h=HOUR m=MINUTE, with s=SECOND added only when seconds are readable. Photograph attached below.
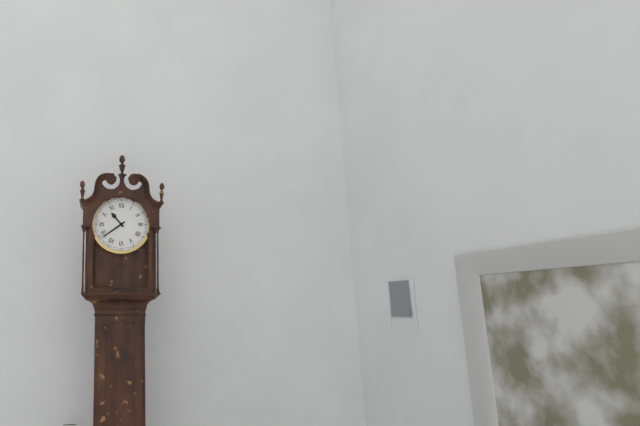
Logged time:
h=10 m=39
